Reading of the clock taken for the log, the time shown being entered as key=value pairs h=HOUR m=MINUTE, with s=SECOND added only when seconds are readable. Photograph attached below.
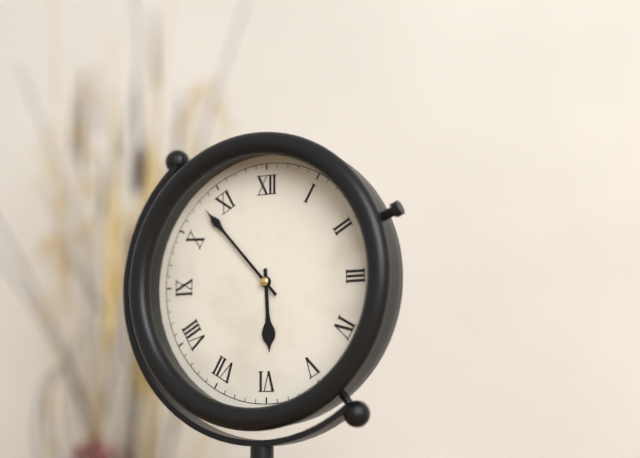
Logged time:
h=5 m=53
